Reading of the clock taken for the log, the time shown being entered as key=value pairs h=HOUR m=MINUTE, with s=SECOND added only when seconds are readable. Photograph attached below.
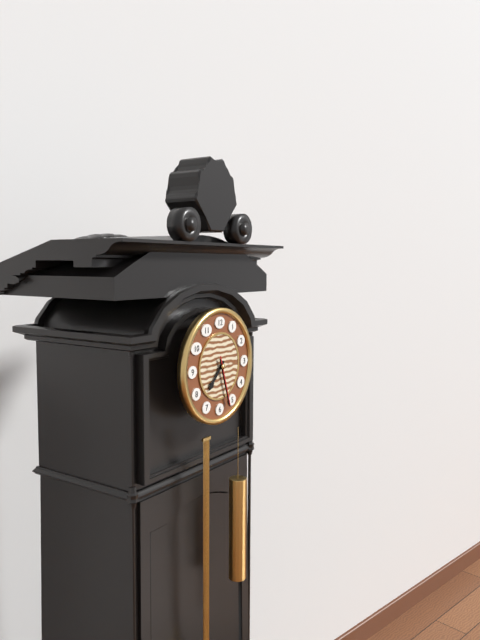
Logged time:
h=7 m=27 s=27
